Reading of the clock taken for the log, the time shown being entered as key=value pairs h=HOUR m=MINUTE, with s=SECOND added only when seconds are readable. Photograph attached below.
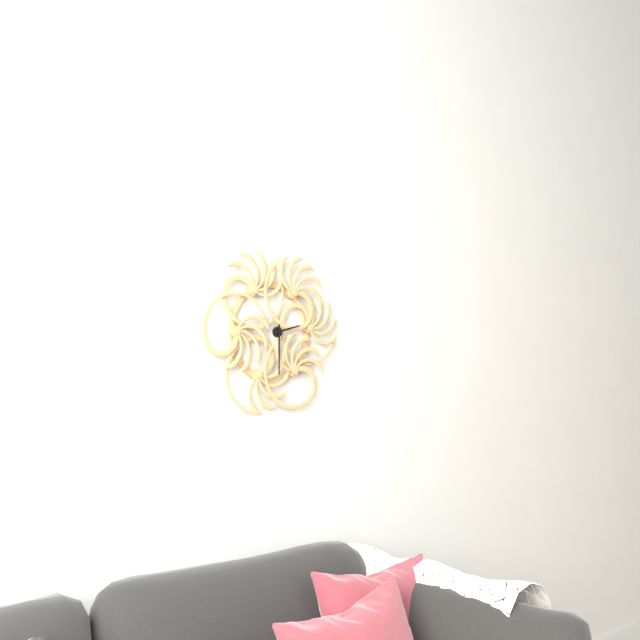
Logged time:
h=2 m=30
